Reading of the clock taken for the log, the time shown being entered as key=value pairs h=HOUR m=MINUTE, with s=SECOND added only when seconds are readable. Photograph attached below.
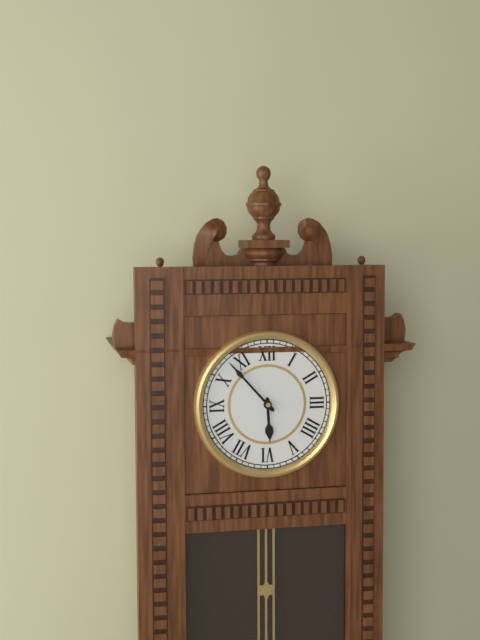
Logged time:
h=5 m=53
